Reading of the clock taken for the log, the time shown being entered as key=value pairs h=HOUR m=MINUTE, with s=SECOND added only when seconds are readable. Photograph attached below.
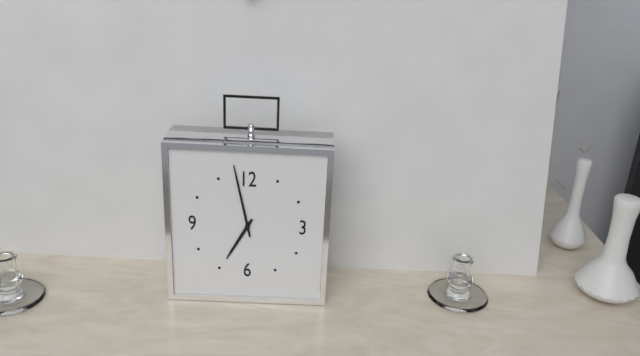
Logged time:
h=6 m=58
